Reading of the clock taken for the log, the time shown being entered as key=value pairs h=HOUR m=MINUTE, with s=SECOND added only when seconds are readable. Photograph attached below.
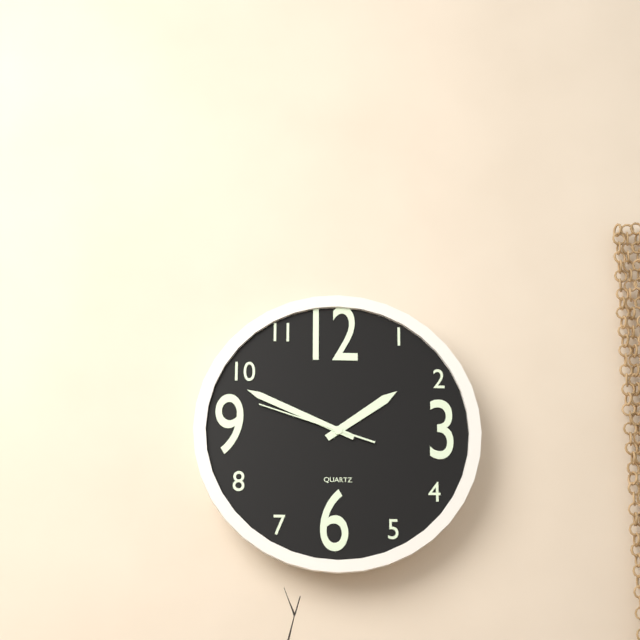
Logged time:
h=1 m=49 s=48
